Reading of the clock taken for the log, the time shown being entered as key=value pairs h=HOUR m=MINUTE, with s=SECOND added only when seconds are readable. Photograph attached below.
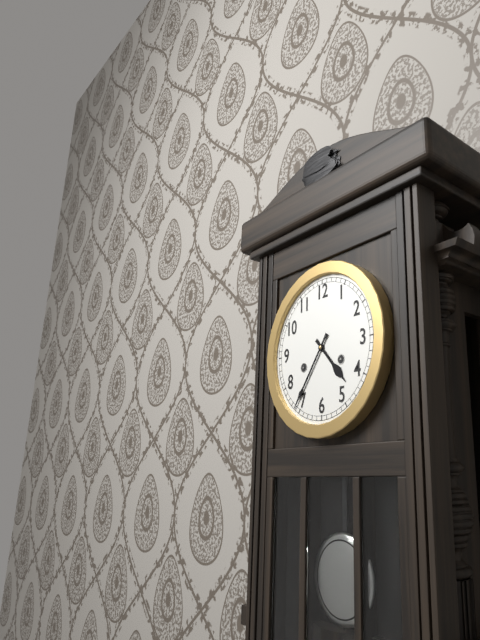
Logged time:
h=4 m=36
